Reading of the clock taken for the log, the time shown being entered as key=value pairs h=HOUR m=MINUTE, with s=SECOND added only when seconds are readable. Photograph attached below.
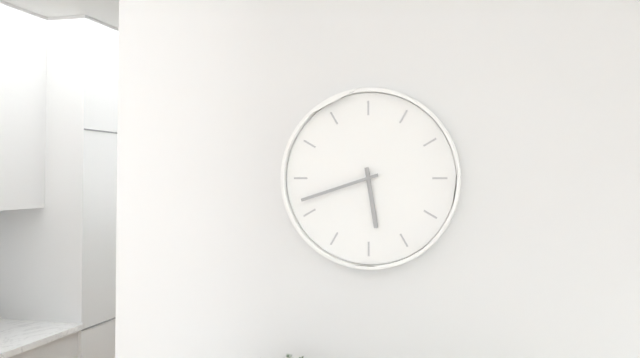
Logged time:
h=5 m=42
